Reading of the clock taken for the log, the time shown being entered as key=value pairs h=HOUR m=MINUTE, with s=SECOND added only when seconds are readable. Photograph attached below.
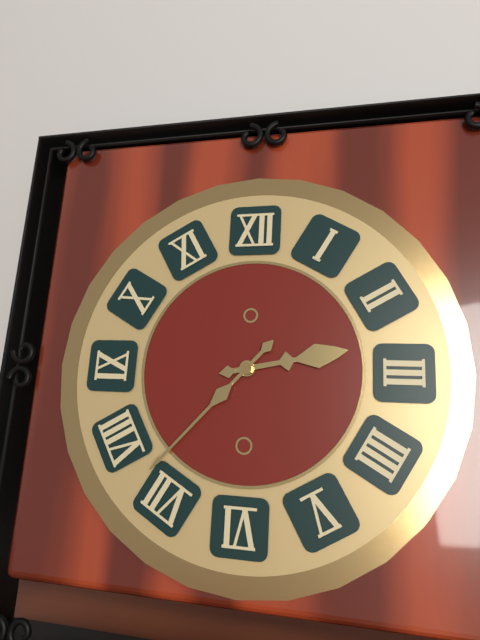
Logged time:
h=2 m=37
